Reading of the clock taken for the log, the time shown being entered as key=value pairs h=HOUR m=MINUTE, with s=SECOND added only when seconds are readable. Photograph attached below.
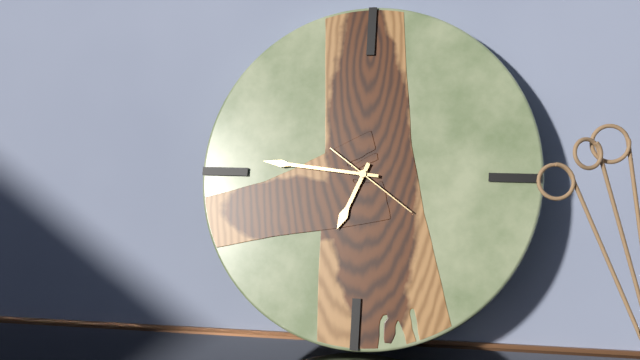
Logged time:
h=6 m=46 s=21
